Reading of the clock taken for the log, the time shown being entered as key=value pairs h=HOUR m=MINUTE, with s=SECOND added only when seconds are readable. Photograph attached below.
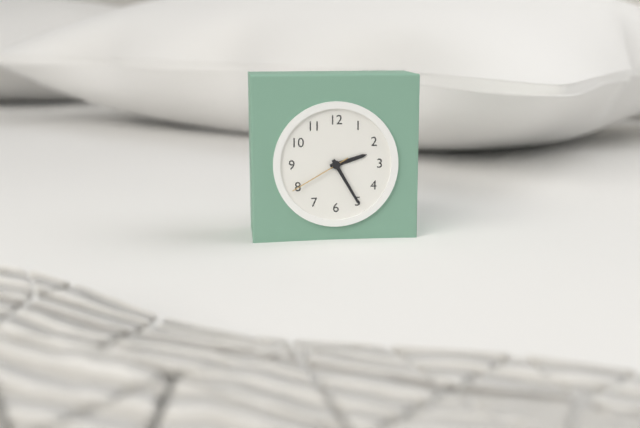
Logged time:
h=2 m=25 s=40
